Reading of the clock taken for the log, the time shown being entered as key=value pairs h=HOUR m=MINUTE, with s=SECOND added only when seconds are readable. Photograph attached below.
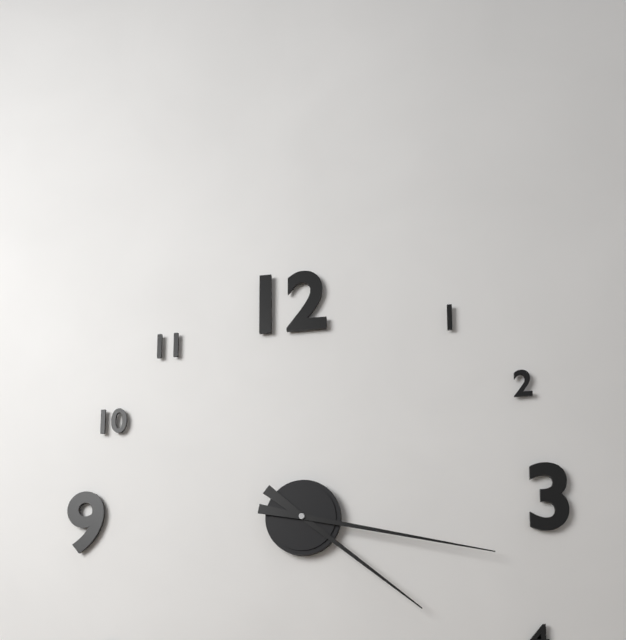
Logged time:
h=4 m=17
